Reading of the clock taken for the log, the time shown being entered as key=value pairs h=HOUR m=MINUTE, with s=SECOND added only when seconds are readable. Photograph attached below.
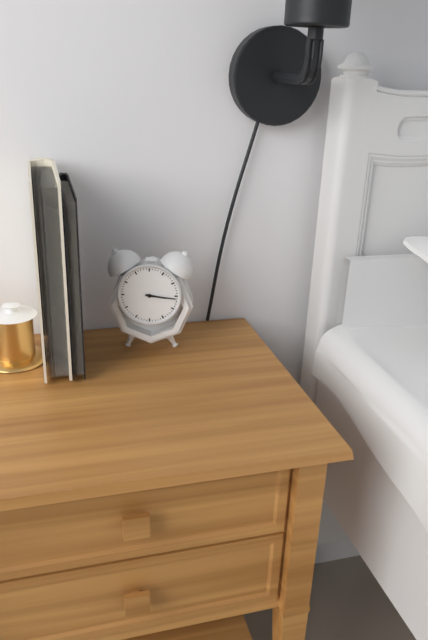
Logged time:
h=3 m=16
